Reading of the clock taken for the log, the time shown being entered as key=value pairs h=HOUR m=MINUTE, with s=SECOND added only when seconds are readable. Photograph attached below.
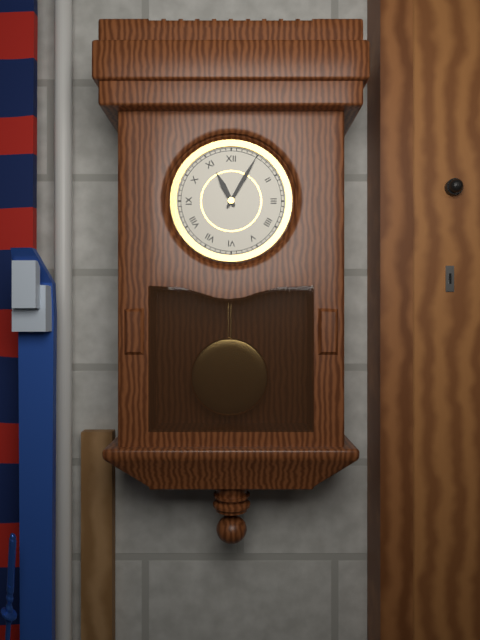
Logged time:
h=11 m=5
